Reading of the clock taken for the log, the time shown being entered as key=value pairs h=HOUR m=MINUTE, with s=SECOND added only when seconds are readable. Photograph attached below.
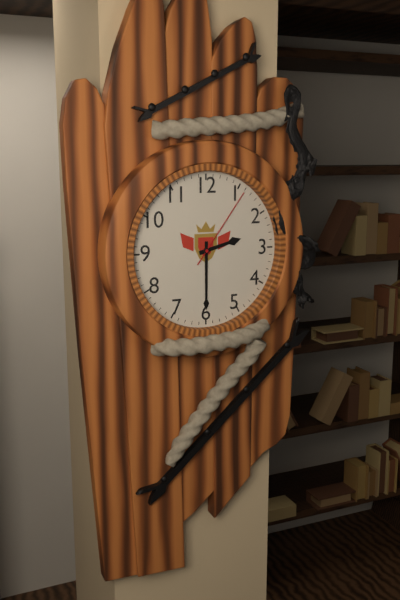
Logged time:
h=2 m=30 s=6
